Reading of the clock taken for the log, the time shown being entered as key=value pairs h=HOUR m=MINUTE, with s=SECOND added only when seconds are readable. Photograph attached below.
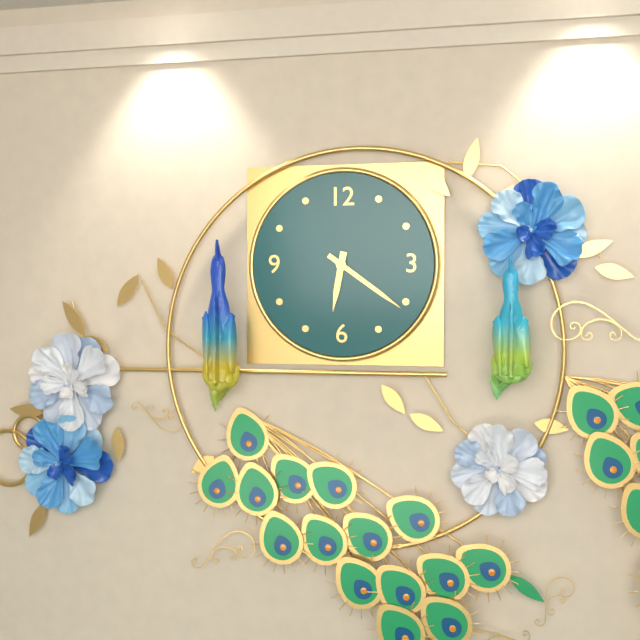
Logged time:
h=6 m=21
